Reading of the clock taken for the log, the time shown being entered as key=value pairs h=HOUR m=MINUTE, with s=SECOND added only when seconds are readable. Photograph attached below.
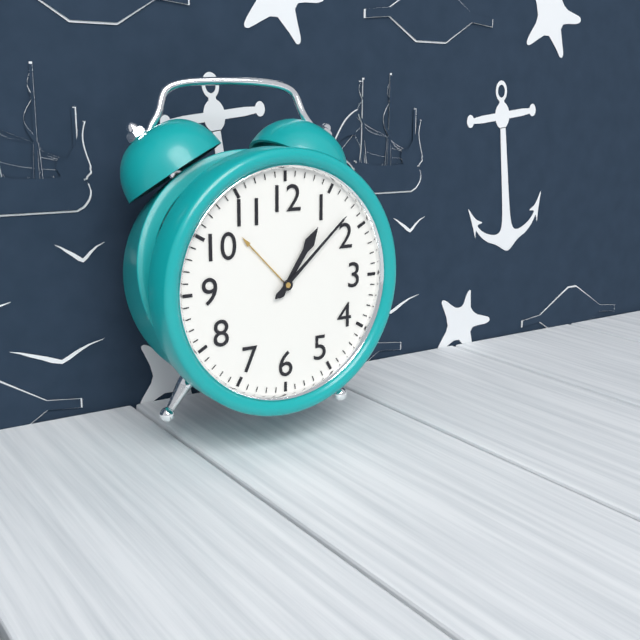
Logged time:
h=1 m=8
